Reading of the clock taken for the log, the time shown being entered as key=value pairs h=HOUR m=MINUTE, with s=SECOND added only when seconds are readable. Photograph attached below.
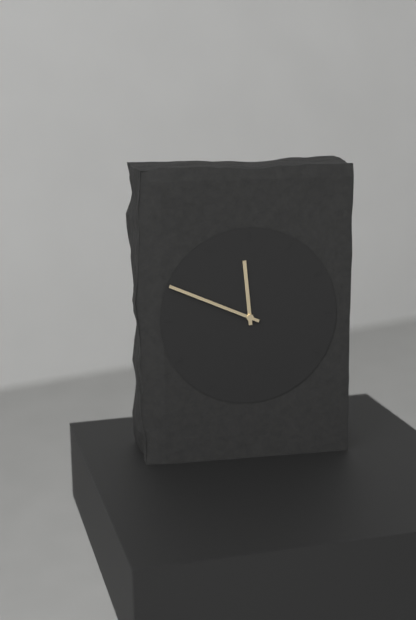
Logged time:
h=11 m=49
